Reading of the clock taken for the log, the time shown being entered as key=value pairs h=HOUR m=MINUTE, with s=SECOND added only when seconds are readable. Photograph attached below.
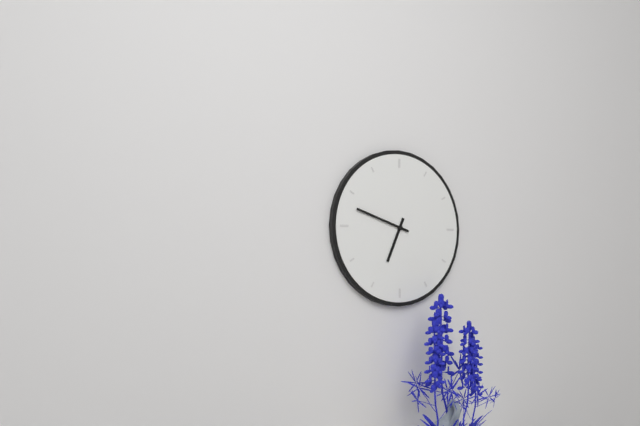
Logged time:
h=6 m=48
